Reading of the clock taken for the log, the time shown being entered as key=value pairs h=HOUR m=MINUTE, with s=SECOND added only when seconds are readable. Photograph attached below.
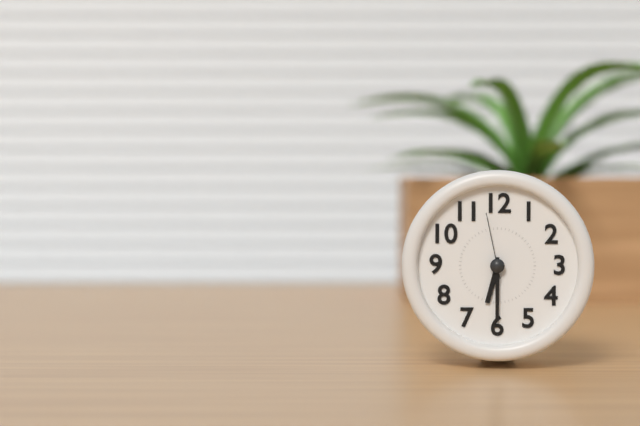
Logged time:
h=6 m=30 s=58
